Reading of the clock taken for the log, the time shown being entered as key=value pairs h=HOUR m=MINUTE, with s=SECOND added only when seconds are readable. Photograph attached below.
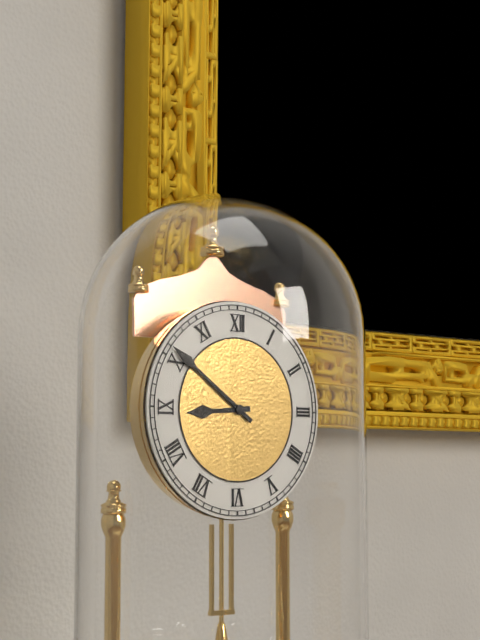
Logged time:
h=8 m=51
